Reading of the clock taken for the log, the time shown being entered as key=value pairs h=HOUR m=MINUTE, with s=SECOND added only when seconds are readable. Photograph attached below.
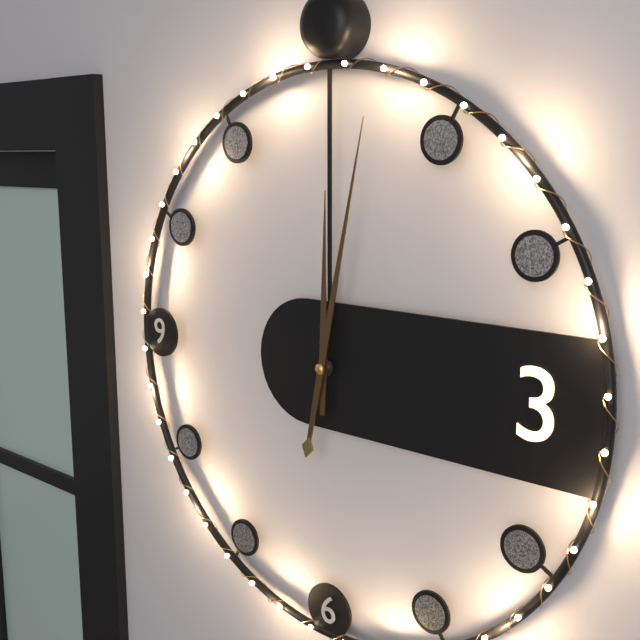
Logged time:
h=12 m=2
